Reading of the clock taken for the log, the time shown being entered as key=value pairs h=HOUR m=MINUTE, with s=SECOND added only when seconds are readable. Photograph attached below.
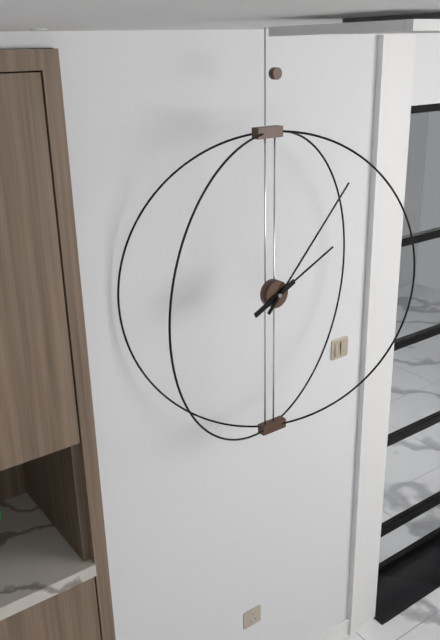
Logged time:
h=2 m=7
